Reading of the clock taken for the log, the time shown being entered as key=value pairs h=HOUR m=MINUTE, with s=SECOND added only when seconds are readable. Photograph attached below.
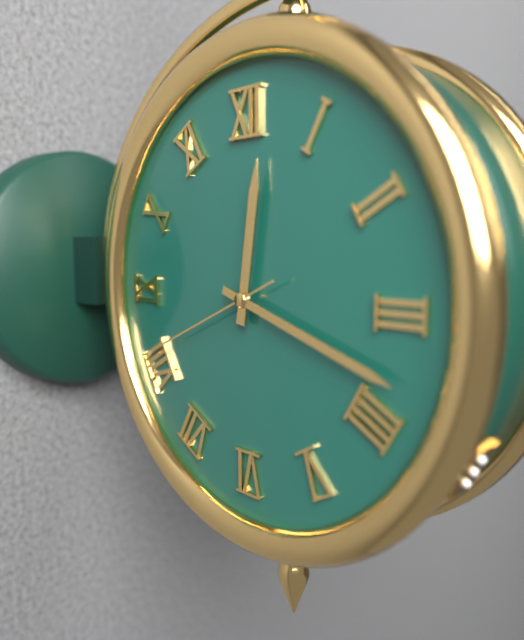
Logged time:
h=12 m=18 s=41
